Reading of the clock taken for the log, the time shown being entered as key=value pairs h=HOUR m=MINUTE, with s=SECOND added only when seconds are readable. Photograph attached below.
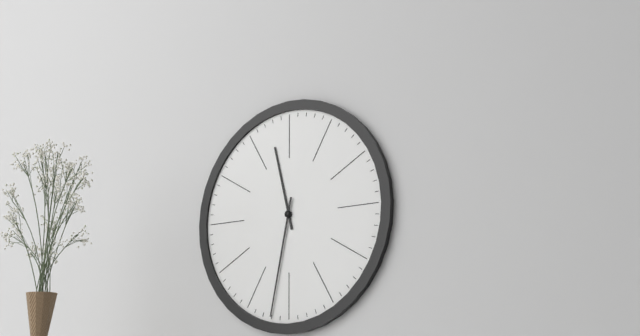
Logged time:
h=11 m=32
